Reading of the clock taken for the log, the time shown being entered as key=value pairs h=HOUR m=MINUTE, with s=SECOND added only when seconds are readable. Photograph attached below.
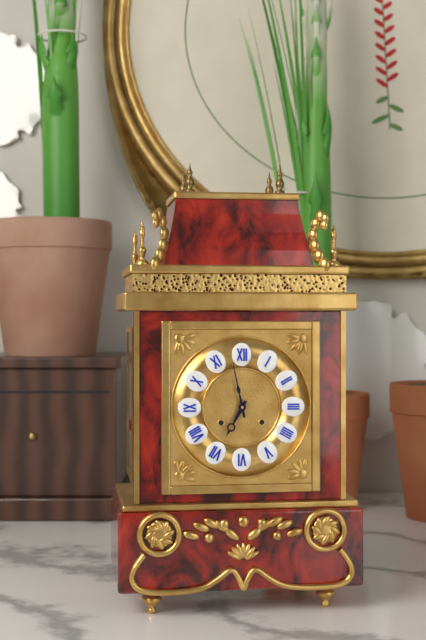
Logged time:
h=6 m=58
